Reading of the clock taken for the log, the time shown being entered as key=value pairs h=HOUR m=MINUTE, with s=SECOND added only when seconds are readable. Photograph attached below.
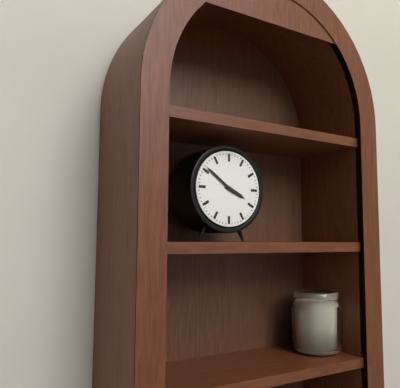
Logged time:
h=3 m=51
